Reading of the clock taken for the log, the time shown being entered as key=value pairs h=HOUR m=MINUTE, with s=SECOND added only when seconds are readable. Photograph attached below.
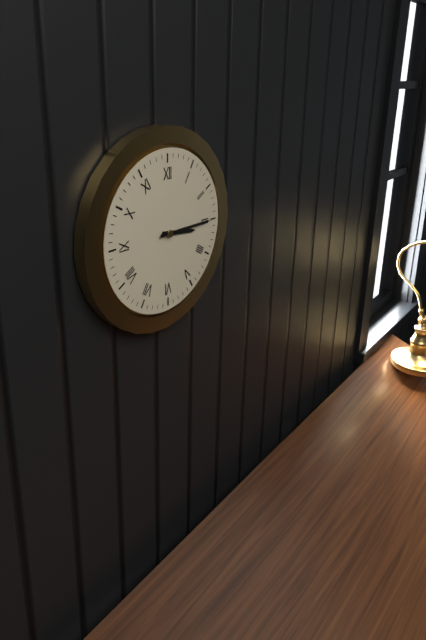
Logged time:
h=3 m=15
